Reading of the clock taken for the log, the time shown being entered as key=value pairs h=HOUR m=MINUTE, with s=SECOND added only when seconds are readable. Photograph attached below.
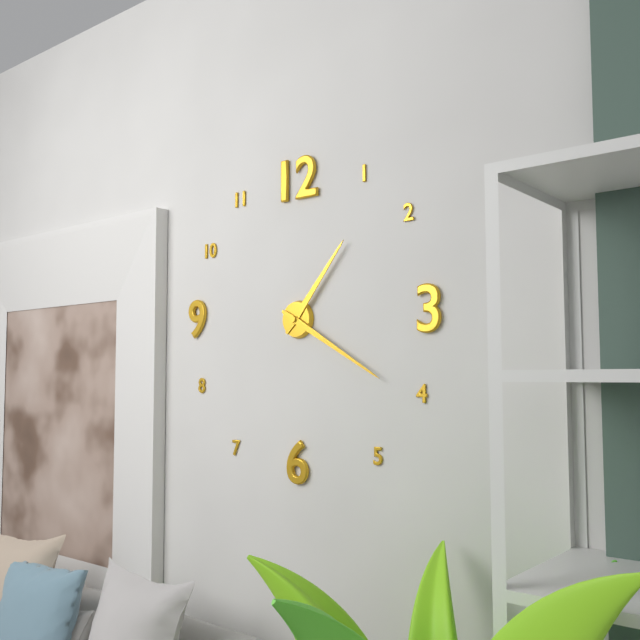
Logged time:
h=1 m=20
